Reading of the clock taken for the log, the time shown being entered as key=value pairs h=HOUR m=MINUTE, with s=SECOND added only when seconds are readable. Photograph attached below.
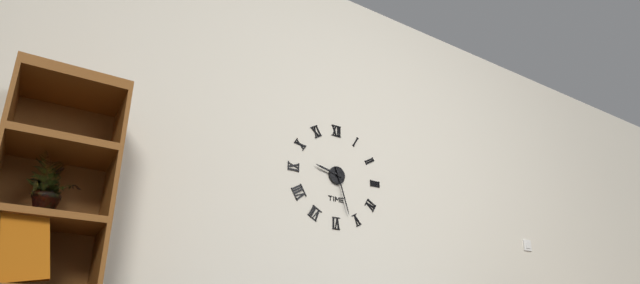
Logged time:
h=9 m=27
